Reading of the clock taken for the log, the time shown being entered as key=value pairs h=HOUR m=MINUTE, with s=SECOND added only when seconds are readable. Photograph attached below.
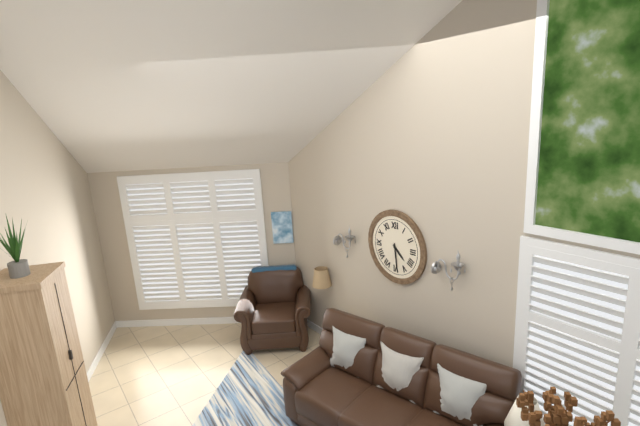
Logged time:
h=4 m=29
